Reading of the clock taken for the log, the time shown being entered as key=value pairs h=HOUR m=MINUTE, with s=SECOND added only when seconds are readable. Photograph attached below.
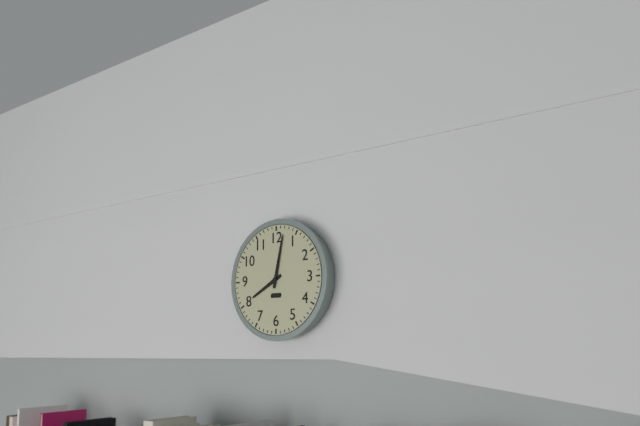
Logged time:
h=8 m=2
